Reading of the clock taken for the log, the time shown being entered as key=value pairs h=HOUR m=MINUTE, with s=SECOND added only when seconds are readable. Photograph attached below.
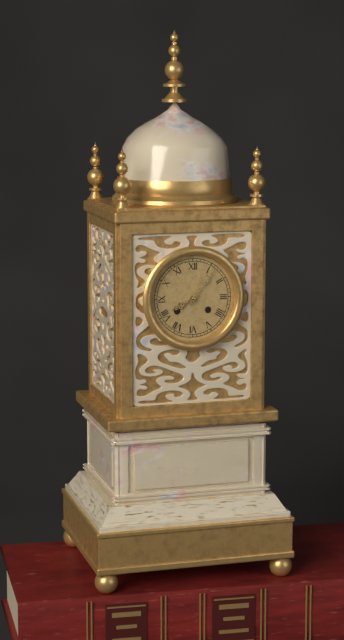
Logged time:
h=8 m=6
